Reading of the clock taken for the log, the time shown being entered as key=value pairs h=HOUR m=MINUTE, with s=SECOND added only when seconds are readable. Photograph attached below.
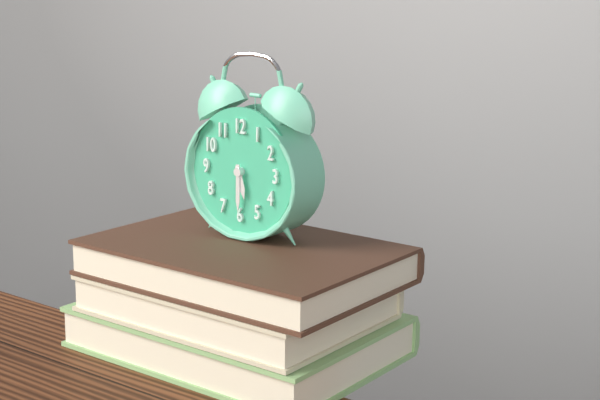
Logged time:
h=5 m=30
